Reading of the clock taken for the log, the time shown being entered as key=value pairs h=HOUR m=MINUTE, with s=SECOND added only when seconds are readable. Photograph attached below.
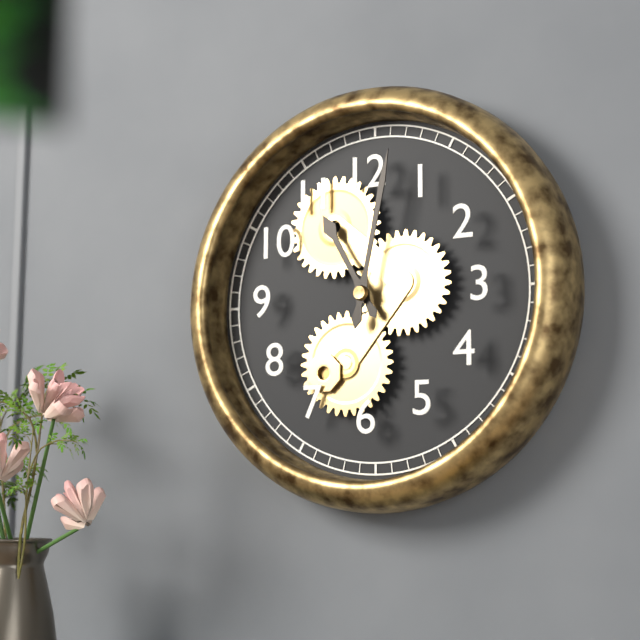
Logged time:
h=11 m=2
